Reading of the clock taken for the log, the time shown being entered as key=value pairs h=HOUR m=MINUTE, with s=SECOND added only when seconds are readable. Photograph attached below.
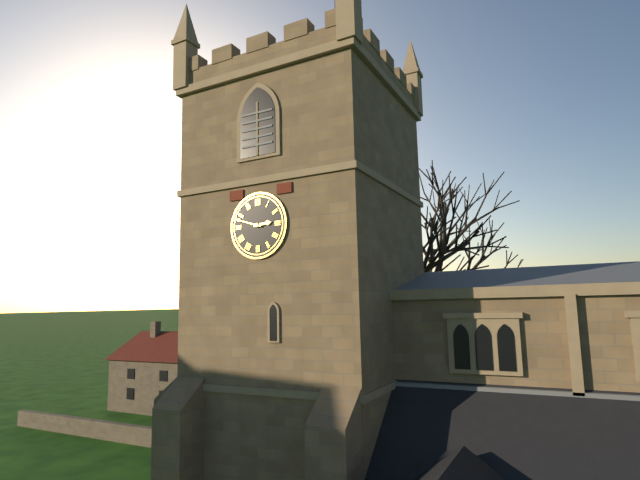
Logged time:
h=2 m=48
